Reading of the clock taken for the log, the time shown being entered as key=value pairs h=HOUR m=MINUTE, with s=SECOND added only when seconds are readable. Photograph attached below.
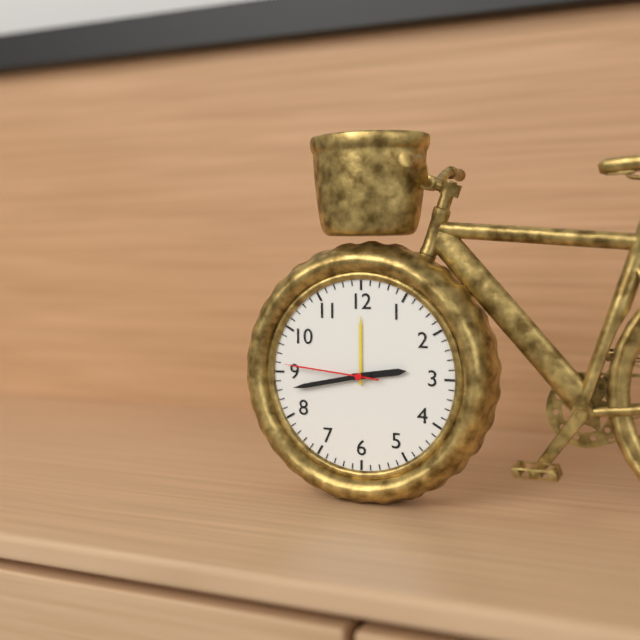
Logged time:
h=2 m=43 s=46
